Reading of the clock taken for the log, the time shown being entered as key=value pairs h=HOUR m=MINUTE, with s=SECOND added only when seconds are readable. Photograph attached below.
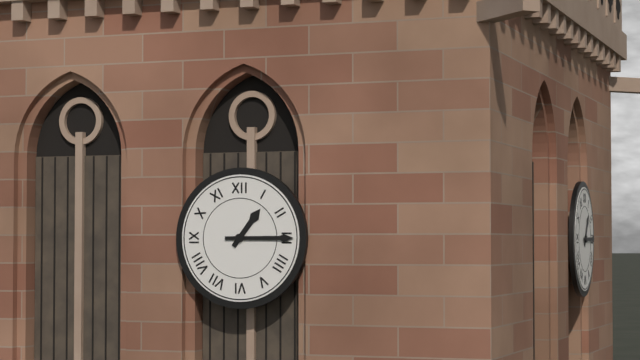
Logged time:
h=1 m=15
